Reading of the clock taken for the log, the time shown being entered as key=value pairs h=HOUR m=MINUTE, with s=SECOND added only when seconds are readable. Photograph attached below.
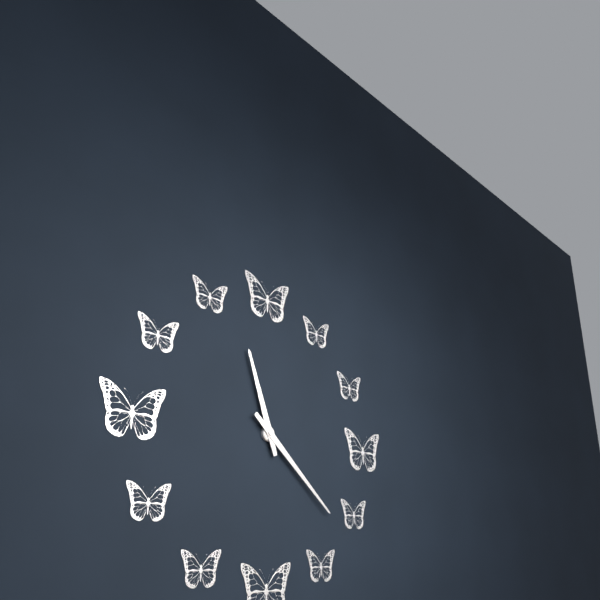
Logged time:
h=11 m=22
